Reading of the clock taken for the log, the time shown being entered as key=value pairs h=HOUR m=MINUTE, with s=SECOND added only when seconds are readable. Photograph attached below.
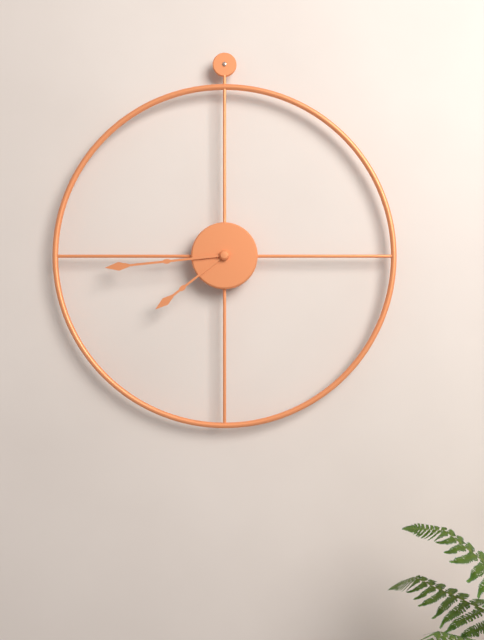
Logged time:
h=7 m=44
